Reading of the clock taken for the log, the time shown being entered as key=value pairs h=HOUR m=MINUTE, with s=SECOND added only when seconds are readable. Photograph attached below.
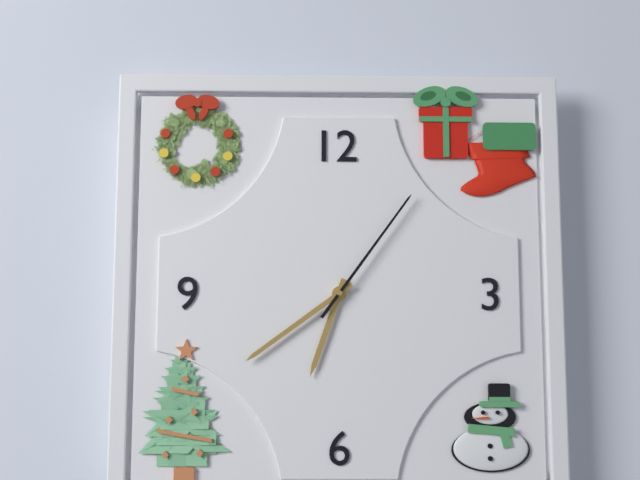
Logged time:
h=6 m=39 s=6
